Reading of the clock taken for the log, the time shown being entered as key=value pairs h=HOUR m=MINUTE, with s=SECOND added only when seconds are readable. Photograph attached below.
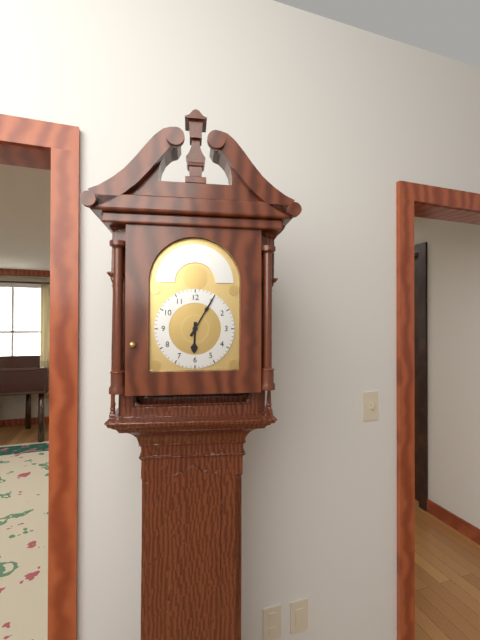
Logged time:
h=6 m=5
